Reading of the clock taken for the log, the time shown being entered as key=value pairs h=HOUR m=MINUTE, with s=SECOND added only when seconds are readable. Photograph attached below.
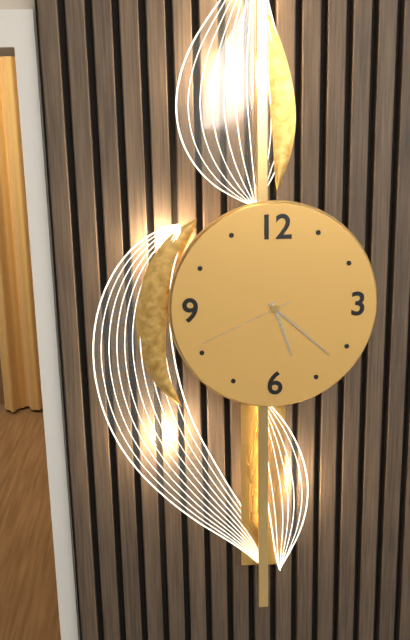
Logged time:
h=5 m=22 s=41
